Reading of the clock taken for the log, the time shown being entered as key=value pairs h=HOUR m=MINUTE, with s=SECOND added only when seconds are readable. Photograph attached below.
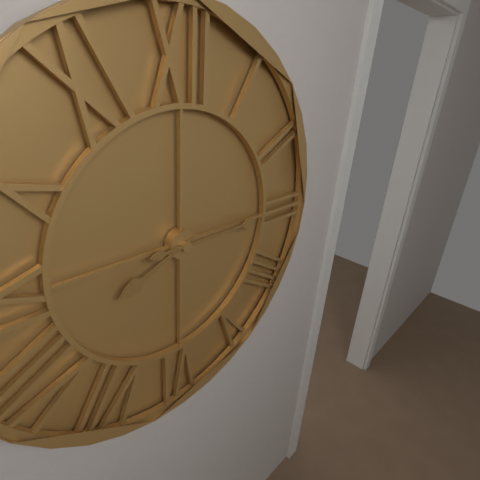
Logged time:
h=8 m=15
